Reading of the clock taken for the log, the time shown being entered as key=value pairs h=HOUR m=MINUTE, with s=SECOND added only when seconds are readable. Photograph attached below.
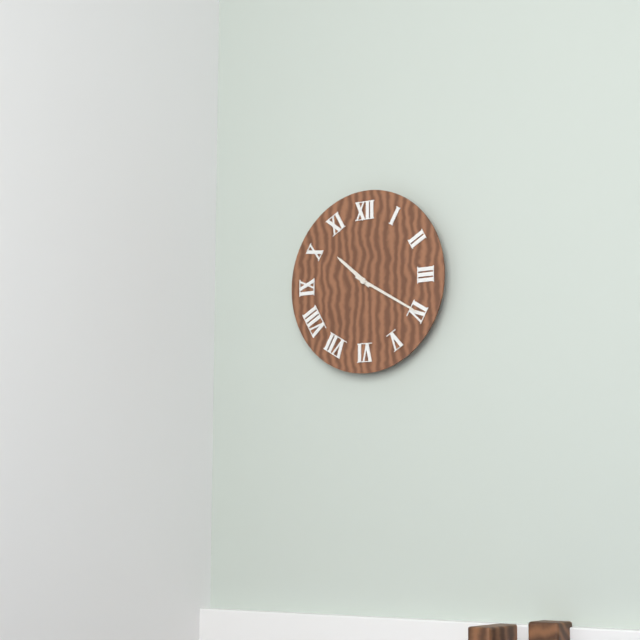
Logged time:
h=10 m=20
